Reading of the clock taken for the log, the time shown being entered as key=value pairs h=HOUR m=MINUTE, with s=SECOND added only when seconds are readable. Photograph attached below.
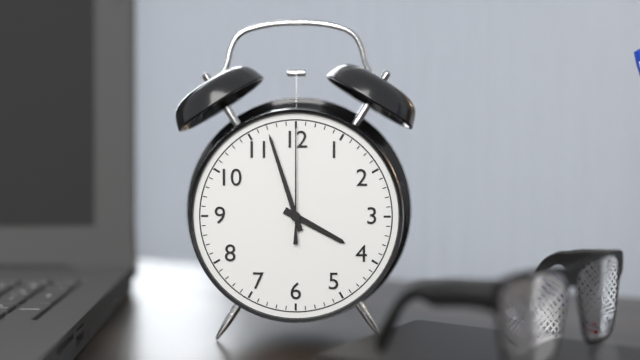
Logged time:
h=3 m=57 s=0
